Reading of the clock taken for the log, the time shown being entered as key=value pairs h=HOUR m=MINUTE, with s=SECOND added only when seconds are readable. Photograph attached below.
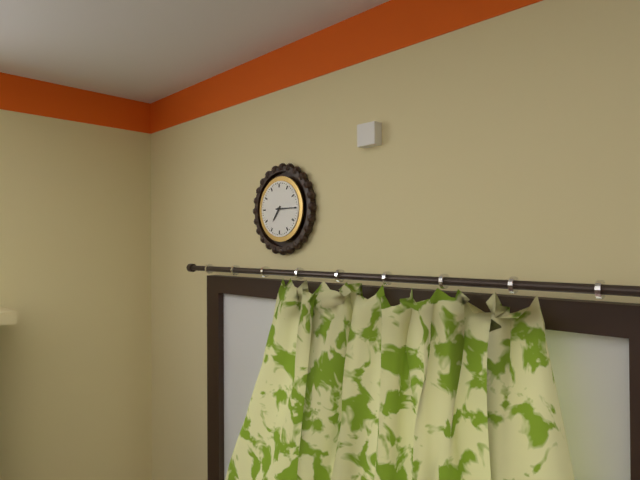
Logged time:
h=7 m=15
